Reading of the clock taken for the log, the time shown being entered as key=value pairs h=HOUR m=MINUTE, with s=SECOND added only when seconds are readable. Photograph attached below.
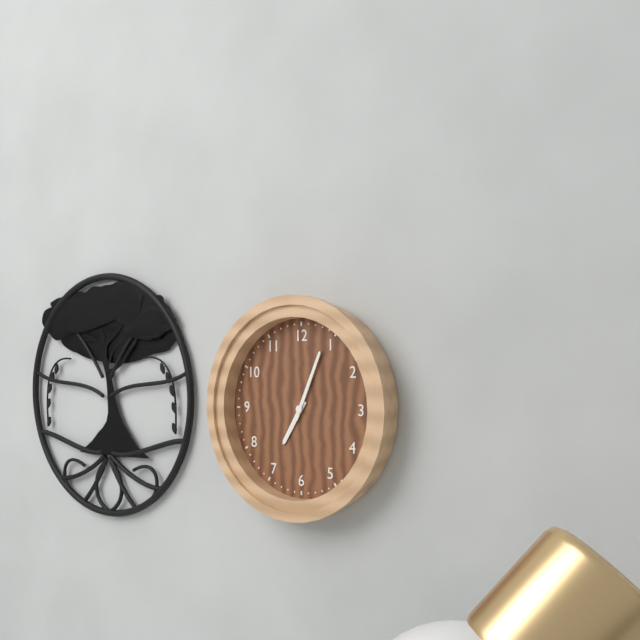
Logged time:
h=7 m=4
